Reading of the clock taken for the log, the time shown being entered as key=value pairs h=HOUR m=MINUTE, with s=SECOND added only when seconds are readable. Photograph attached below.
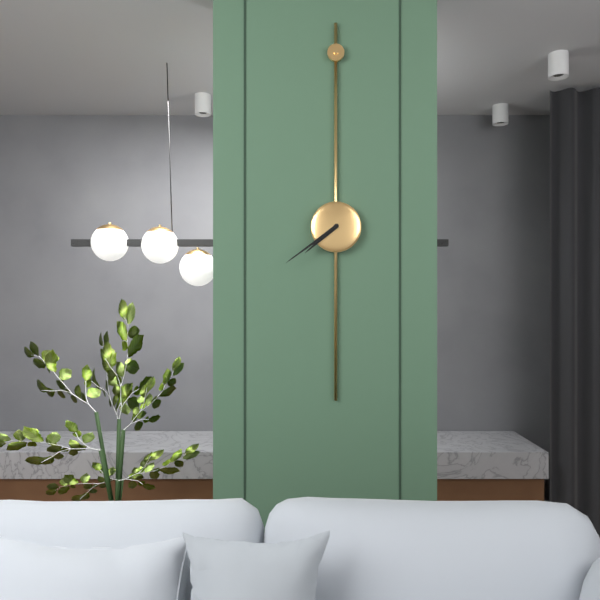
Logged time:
h=7 m=39
